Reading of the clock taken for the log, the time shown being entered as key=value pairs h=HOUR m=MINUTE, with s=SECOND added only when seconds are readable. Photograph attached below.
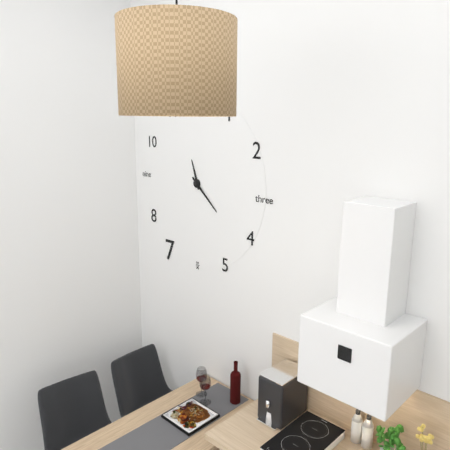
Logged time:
h=11 m=22
